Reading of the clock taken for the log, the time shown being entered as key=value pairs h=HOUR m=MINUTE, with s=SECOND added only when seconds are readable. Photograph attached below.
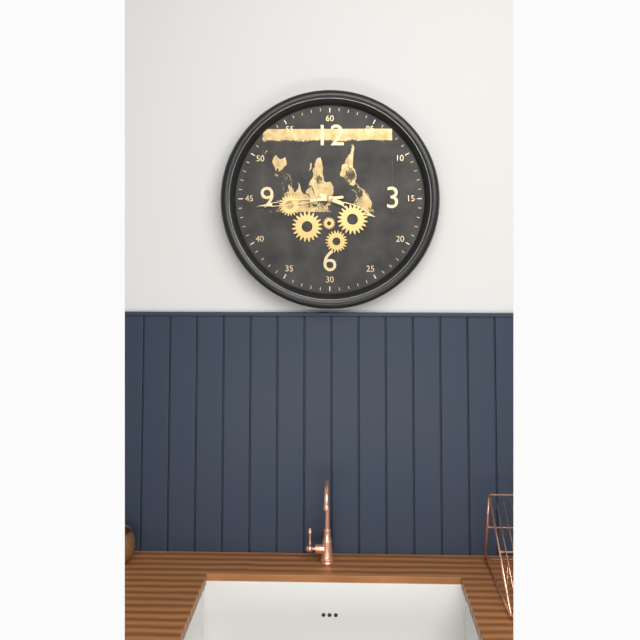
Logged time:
h=3 m=44
